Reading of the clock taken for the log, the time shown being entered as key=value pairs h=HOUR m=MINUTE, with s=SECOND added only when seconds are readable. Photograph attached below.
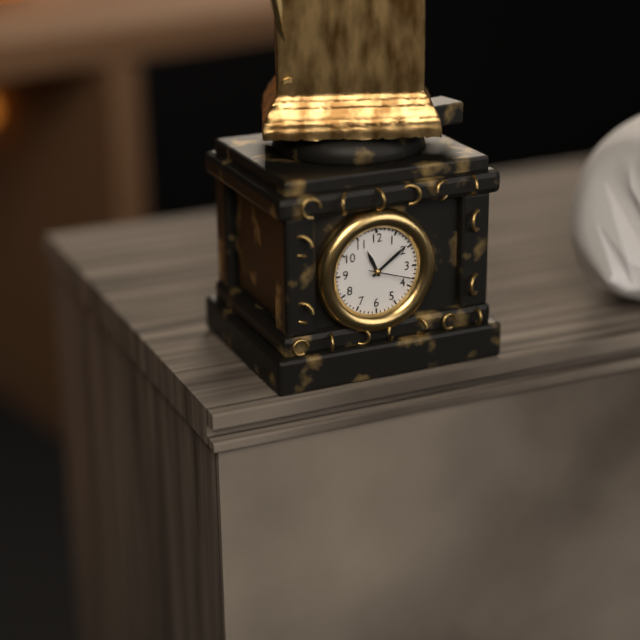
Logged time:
h=11 m=9 s=18
